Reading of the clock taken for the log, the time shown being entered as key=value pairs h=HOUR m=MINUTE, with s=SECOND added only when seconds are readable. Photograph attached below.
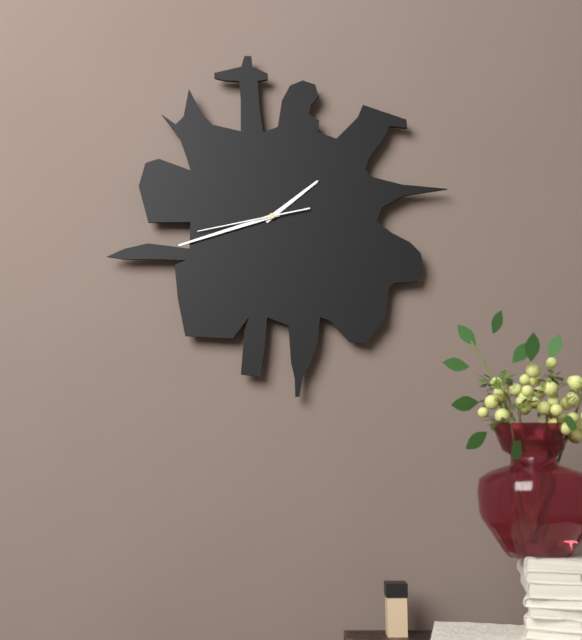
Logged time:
h=1 m=42 s=43
